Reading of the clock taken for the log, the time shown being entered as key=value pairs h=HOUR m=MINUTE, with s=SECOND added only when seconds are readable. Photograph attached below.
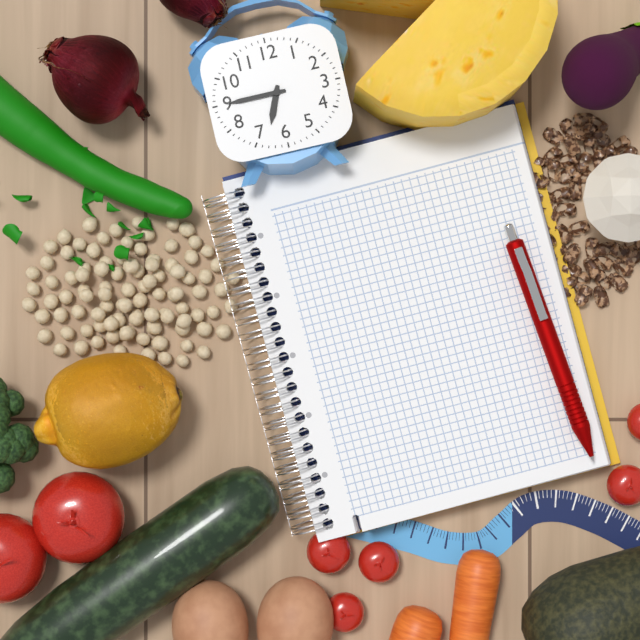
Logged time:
h=6 m=45
